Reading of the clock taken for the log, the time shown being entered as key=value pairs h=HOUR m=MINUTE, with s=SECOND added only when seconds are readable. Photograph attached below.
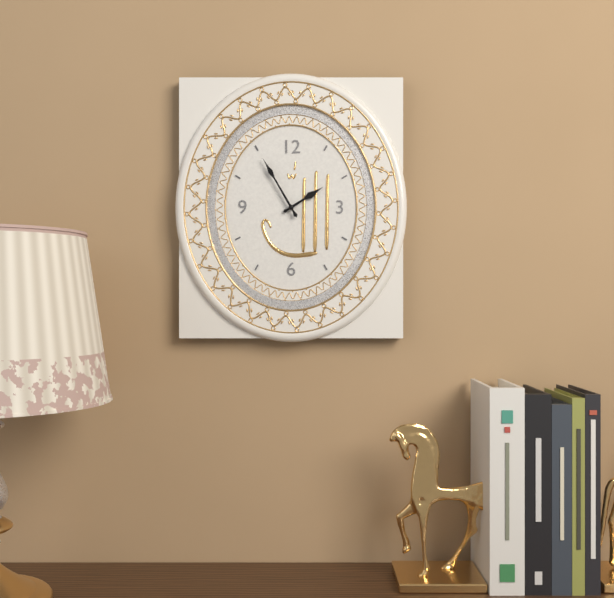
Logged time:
h=1 m=55
